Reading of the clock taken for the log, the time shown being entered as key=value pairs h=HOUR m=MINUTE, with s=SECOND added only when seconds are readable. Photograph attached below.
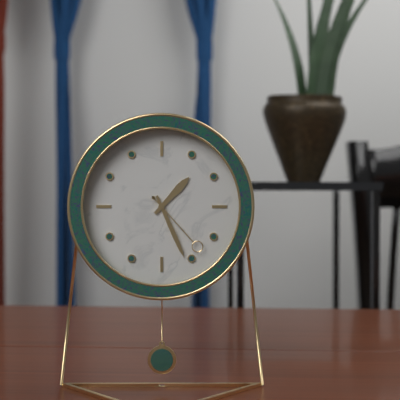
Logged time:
h=1 m=26 s=23
